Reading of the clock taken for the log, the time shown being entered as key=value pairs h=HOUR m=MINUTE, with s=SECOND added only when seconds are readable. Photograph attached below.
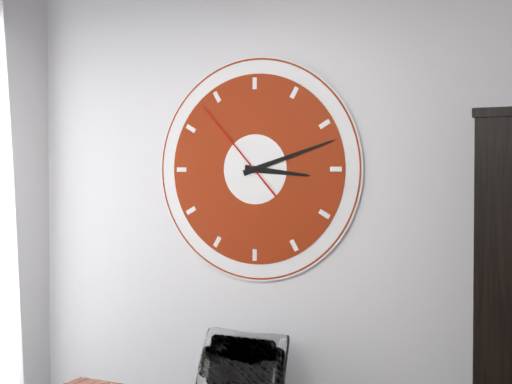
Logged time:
h=3 m=12 s=53
